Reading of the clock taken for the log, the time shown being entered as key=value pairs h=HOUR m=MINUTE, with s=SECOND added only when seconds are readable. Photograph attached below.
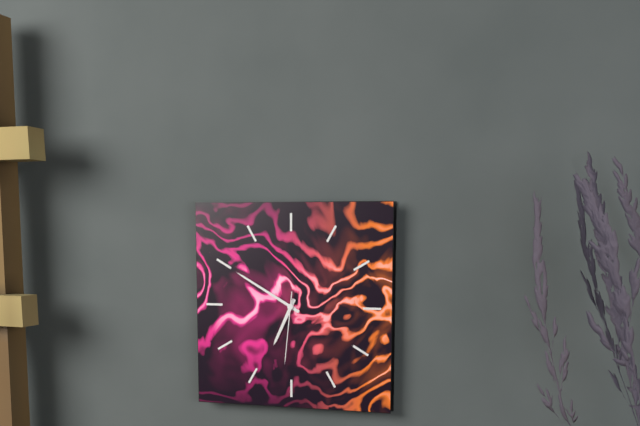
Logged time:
h=6 m=50 s=31
